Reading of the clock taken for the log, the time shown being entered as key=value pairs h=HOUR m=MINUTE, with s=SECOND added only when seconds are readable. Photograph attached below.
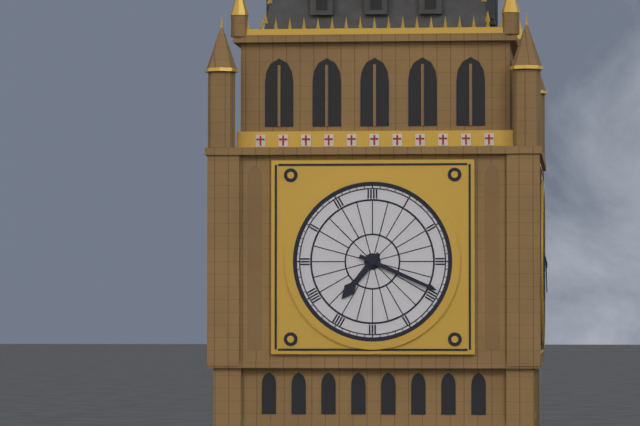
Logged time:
h=7 m=19
